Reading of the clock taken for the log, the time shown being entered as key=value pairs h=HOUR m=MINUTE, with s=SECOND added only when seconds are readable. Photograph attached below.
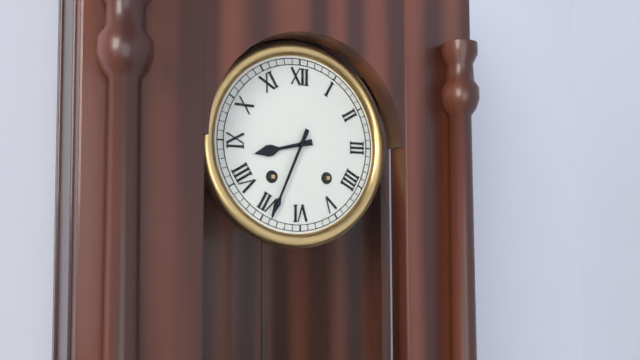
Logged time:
h=8 m=34
